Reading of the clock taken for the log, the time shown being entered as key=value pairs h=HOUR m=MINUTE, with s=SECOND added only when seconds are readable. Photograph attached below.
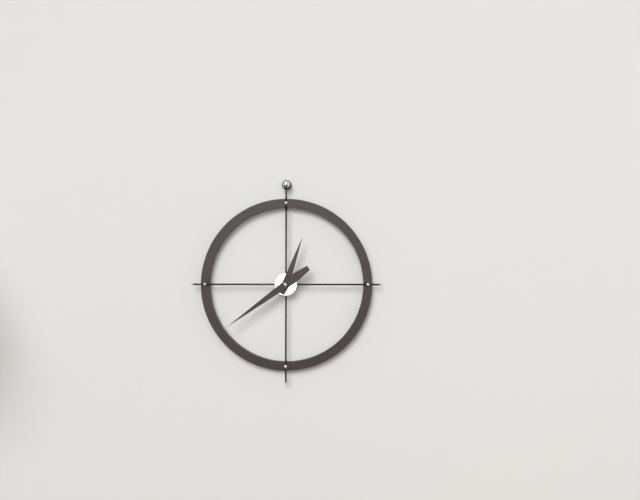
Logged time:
h=12 m=39
